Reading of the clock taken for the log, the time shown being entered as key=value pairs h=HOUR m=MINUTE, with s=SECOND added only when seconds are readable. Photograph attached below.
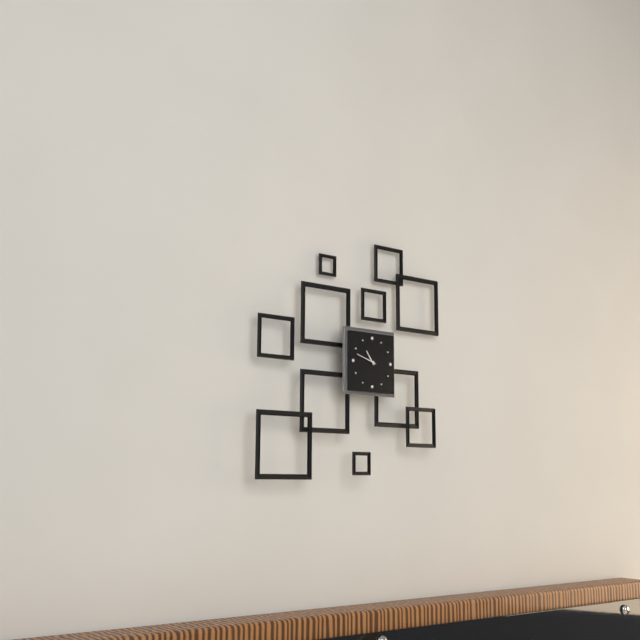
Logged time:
h=10 m=48
